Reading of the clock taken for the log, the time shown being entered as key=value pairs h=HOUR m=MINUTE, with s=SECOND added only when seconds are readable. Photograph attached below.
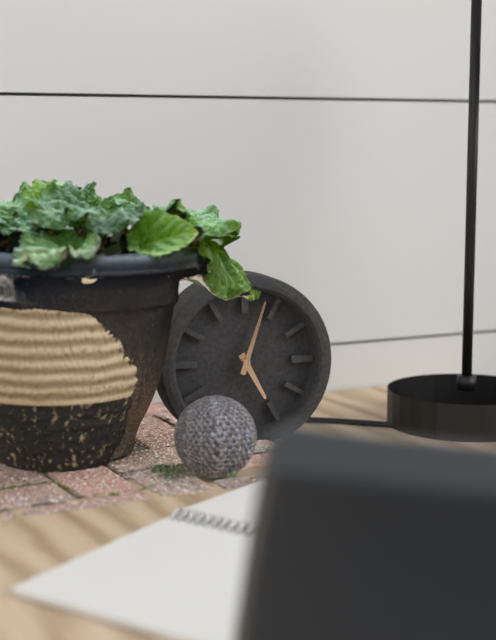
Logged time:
h=5 m=3
